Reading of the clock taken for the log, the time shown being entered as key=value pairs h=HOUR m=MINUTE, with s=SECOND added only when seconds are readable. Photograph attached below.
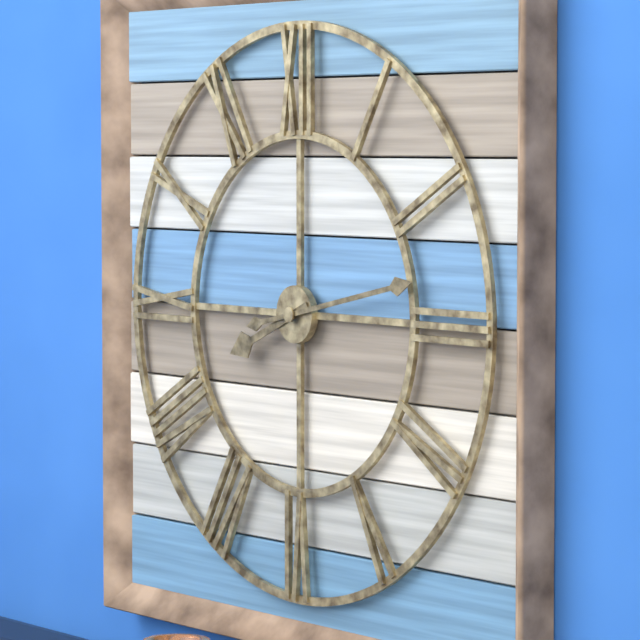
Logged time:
h=8 m=13
